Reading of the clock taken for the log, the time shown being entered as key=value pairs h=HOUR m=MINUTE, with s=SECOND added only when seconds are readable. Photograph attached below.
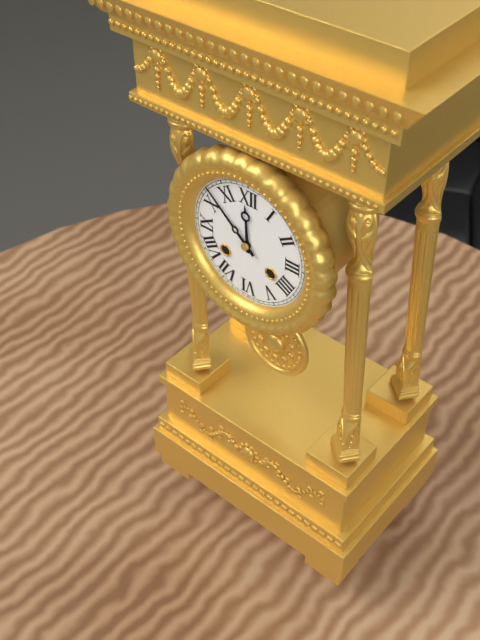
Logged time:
h=11 m=52
